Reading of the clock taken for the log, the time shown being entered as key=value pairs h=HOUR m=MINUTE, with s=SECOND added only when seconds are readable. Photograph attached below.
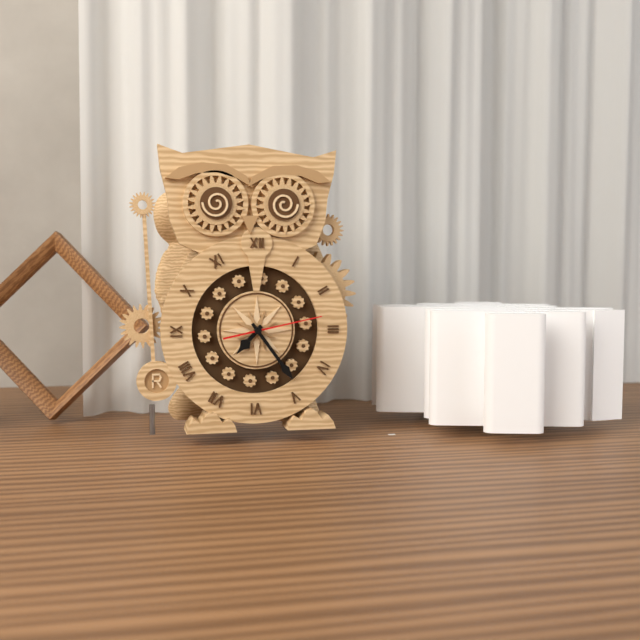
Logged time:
h=7 m=24 s=13
